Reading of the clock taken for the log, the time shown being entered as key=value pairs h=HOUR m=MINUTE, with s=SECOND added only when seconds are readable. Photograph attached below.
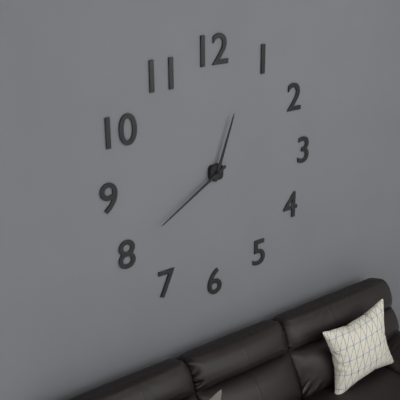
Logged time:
h=12 m=40
